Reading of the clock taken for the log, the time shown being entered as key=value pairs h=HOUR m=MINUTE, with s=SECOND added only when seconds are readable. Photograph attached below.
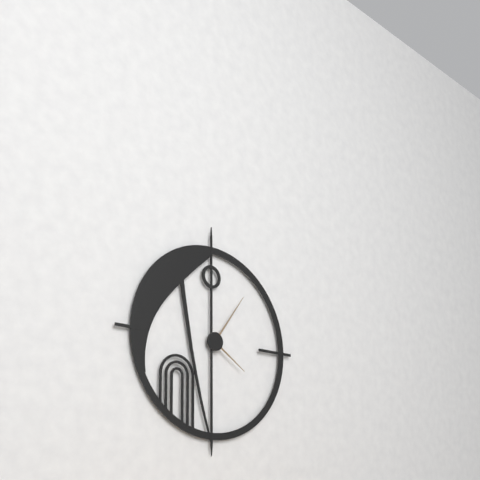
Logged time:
h=4 m=6
